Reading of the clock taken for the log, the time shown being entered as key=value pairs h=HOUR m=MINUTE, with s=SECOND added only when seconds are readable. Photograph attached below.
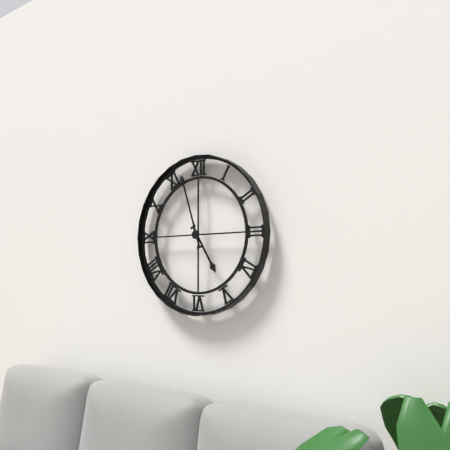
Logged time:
h=4 m=57
